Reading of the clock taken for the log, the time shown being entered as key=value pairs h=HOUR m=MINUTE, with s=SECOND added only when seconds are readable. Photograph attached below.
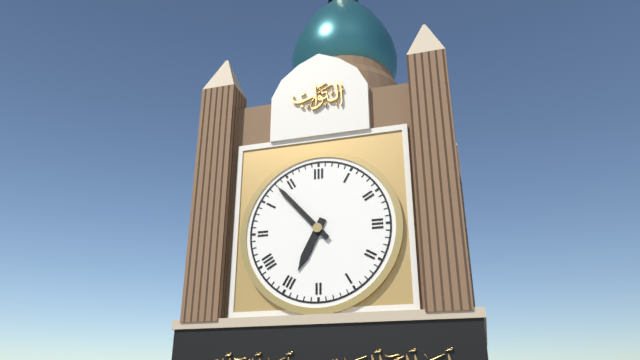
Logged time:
h=6 m=53
